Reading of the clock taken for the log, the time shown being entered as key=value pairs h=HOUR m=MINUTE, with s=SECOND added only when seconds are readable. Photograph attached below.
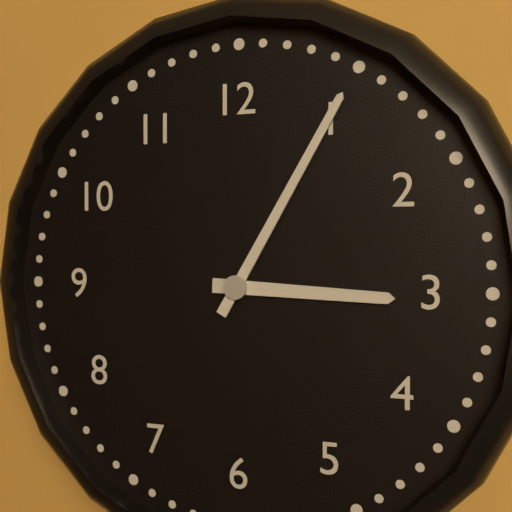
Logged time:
h=3 m=5
